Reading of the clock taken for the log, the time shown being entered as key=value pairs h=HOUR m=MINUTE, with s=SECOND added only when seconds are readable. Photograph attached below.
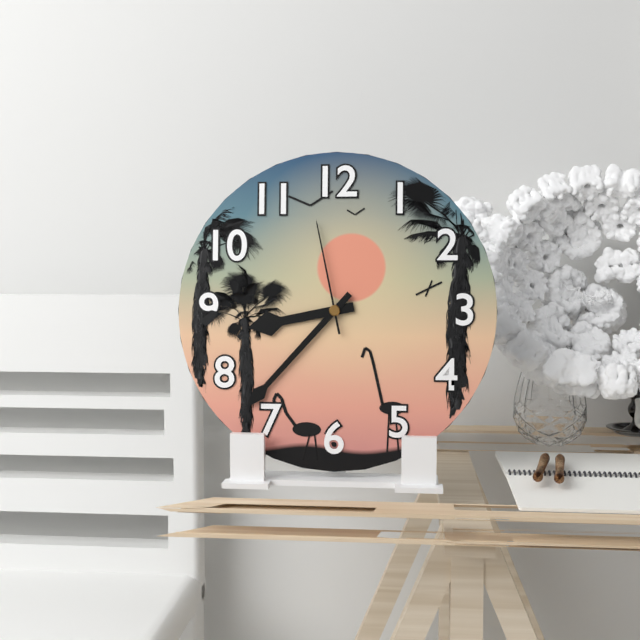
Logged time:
h=8 m=37 s=58
